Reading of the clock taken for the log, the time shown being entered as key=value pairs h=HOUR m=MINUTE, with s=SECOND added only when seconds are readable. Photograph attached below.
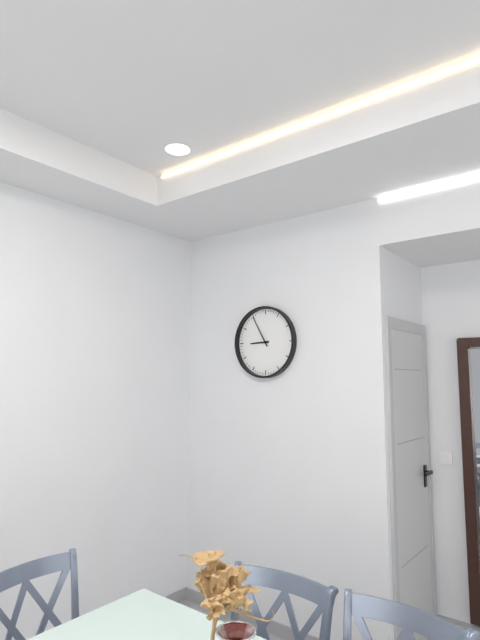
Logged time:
h=8 m=55
